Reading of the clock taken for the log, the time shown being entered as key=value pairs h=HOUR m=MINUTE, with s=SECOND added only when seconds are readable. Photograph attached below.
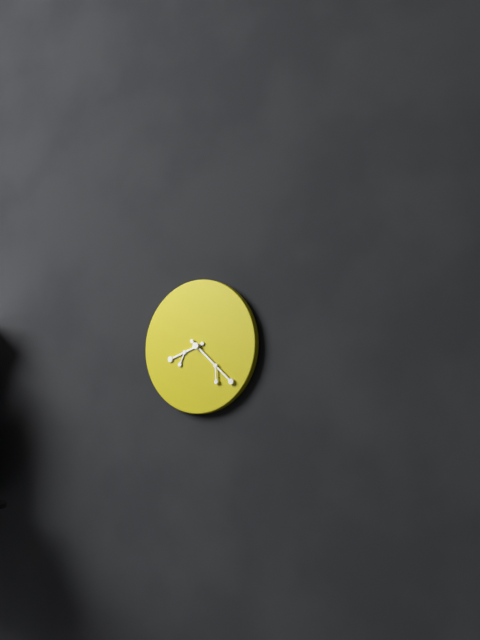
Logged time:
h=8 m=22
